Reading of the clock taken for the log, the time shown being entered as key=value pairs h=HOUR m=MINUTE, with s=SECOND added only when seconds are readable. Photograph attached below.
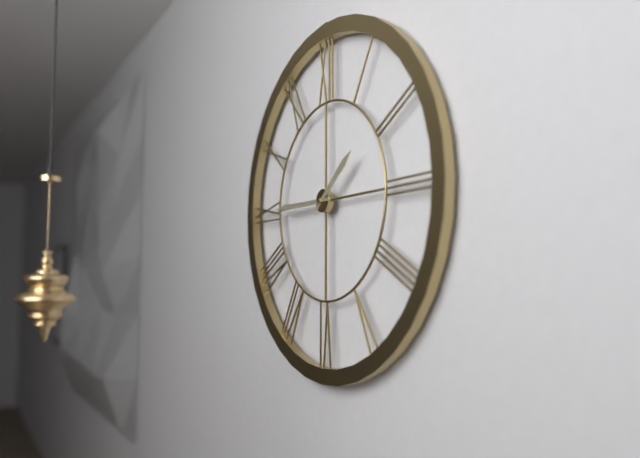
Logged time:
h=1 m=45
